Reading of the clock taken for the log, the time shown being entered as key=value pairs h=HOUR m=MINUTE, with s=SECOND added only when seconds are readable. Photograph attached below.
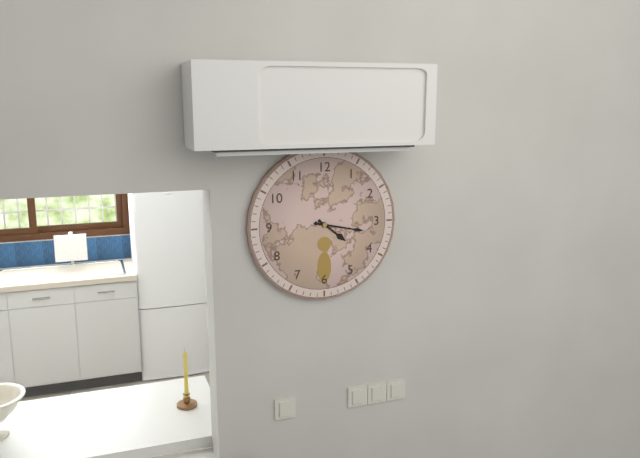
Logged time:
h=4 m=17
